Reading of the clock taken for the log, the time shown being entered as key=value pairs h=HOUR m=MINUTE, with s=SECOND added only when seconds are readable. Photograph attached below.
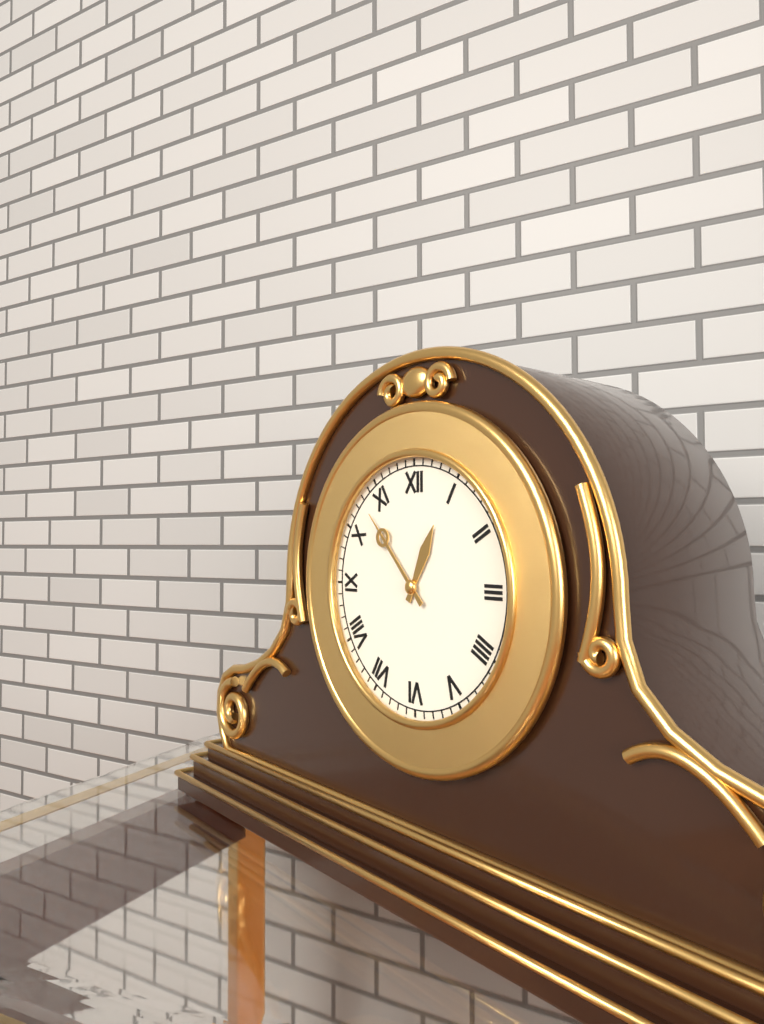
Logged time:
h=12 m=53
